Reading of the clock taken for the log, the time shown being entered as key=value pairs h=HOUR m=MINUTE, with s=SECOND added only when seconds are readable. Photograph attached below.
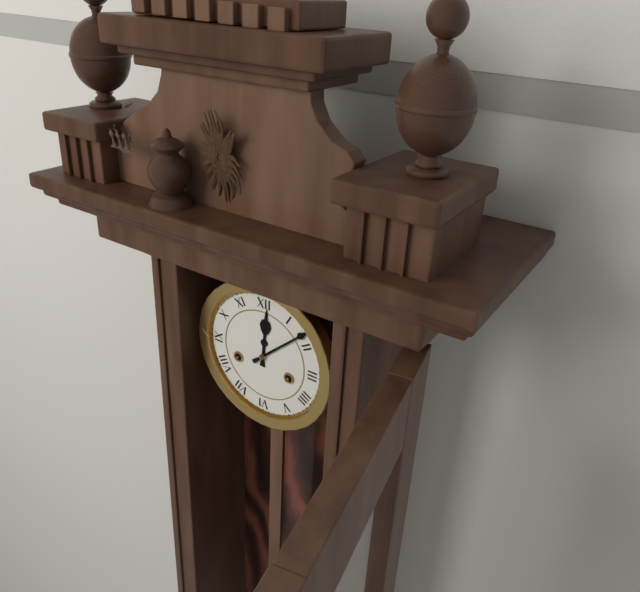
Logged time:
h=12 m=8
